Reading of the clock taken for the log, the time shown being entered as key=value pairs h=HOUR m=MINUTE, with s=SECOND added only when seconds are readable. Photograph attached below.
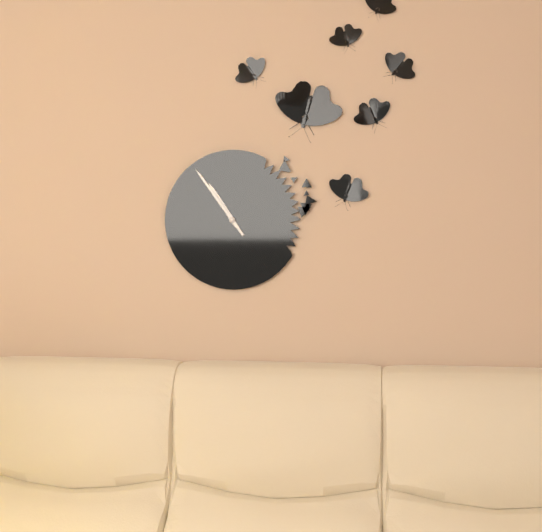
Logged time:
h=10 m=54
